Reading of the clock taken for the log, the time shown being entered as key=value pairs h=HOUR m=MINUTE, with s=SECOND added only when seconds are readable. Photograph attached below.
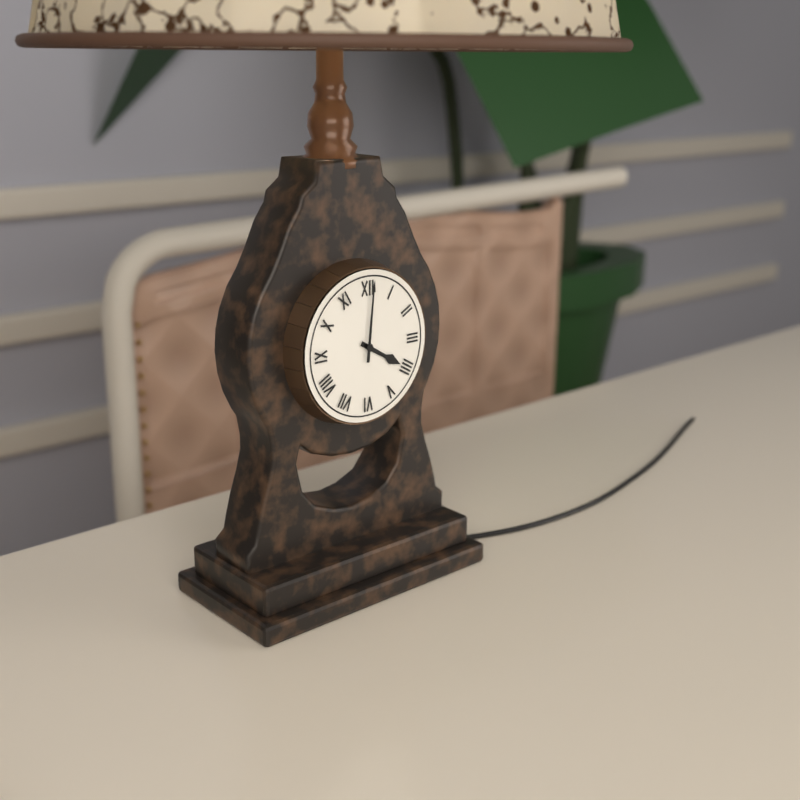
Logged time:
h=4 m=1
